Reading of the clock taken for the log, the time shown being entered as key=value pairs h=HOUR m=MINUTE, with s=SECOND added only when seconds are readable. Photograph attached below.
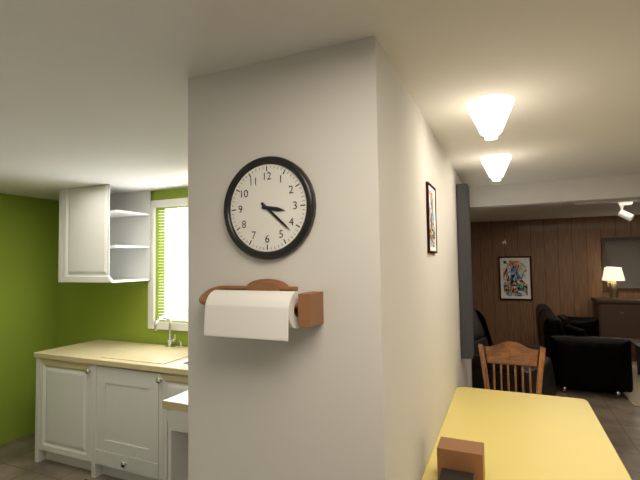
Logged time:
h=3 m=22
